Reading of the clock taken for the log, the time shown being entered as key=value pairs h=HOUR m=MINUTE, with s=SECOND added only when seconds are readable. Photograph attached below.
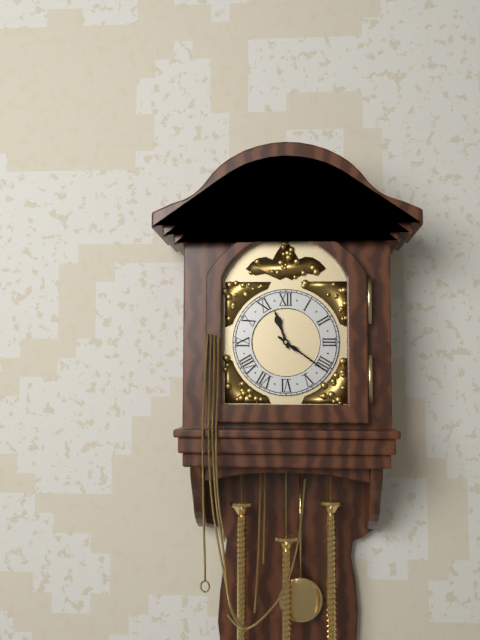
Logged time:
h=11 m=21
